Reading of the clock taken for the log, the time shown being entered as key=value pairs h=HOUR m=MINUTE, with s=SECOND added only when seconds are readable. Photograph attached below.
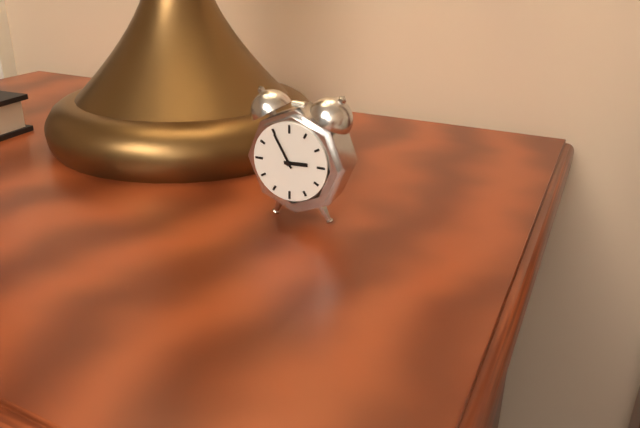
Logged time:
h=2 m=55
